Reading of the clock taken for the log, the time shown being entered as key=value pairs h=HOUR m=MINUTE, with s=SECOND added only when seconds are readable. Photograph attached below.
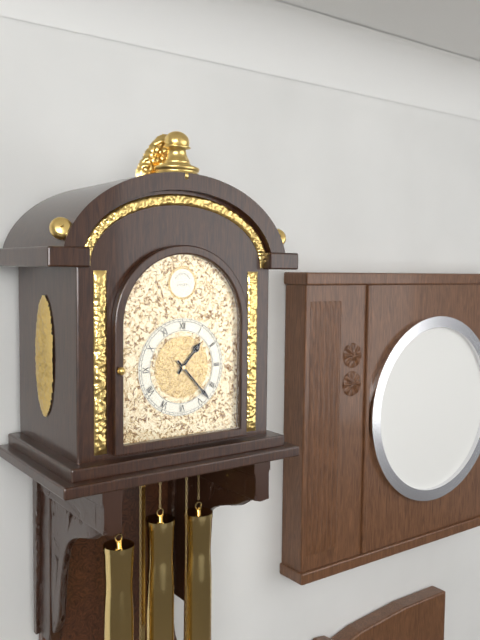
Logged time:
h=1 m=23
